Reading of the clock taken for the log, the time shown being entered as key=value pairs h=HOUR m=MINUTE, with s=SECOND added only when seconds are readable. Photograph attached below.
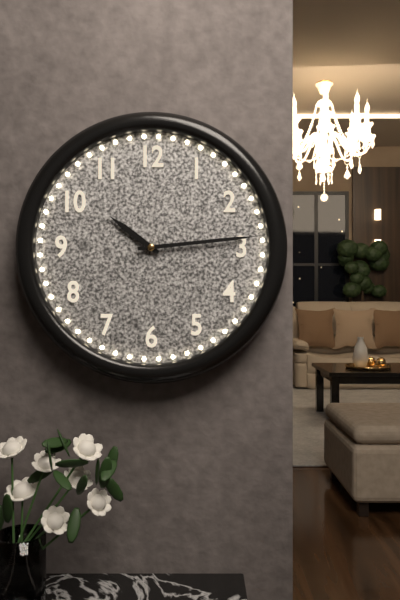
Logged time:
h=10 m=14
